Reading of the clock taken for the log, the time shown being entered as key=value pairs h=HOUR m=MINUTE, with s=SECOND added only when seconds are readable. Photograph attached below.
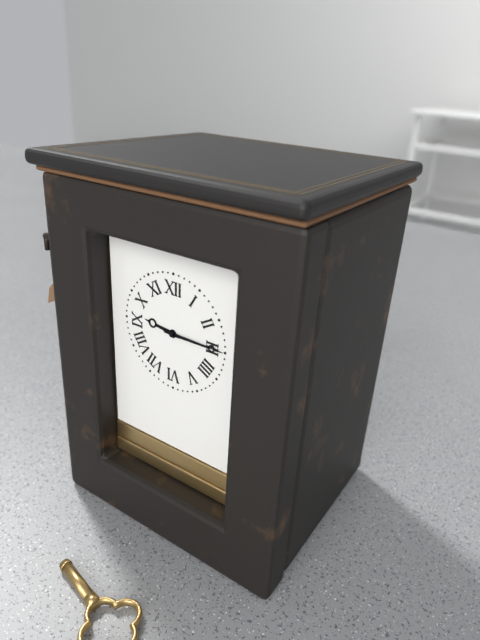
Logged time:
h=9 m=15
